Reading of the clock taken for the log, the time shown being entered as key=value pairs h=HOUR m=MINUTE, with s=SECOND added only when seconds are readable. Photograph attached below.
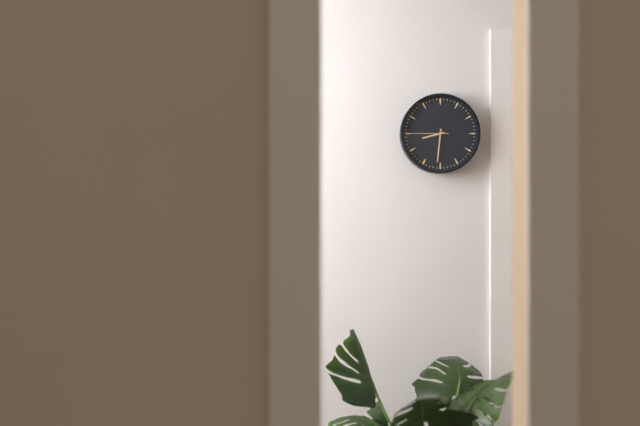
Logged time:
h=8 m=31
